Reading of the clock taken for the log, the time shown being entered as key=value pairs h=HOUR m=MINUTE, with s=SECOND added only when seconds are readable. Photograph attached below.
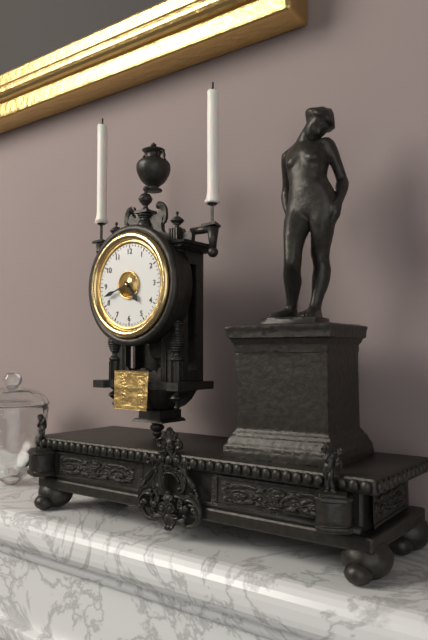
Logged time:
h=4 m=42
